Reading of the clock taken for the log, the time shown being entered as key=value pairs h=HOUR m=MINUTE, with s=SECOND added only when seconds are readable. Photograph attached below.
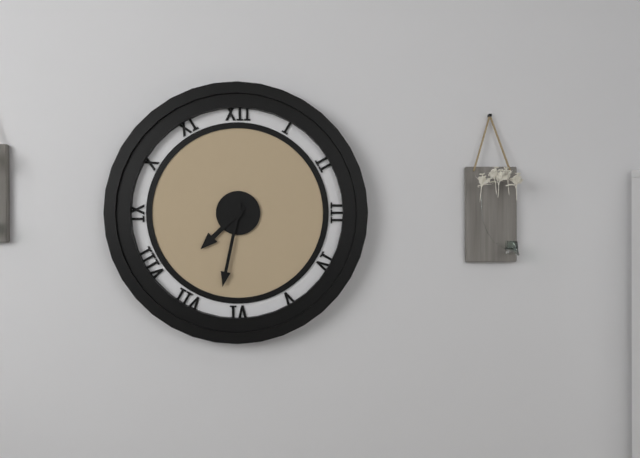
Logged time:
h=7 m=32
